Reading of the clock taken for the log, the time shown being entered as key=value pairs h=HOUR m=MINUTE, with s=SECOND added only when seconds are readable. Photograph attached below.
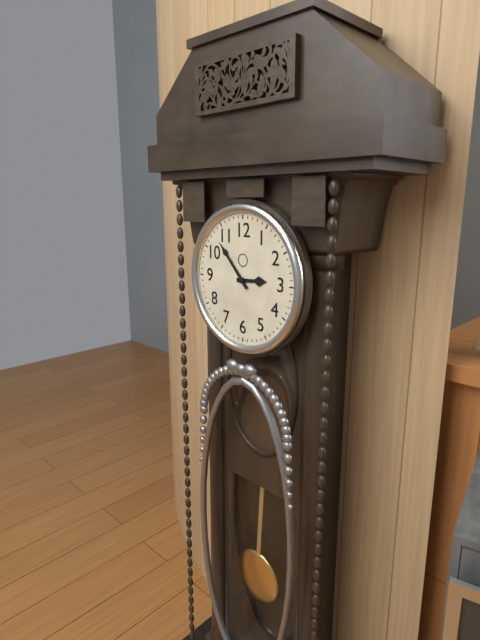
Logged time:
h=2 m=53
